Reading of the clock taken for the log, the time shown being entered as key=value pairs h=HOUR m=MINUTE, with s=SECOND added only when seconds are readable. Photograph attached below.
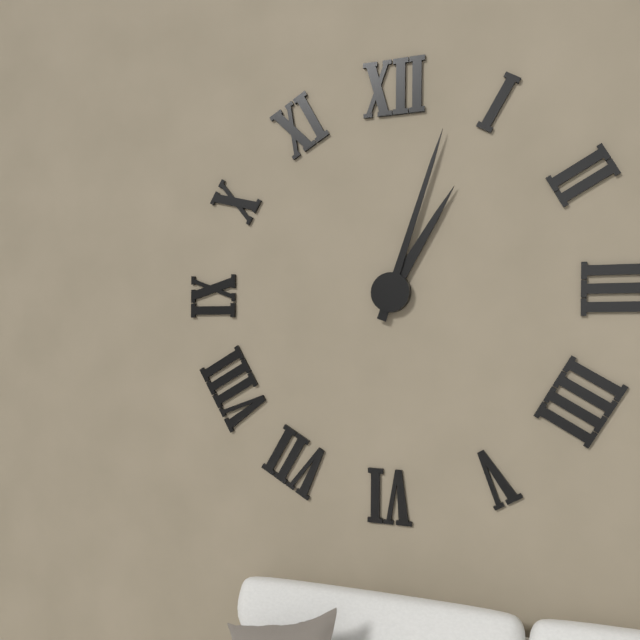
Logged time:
h=1 m=3
